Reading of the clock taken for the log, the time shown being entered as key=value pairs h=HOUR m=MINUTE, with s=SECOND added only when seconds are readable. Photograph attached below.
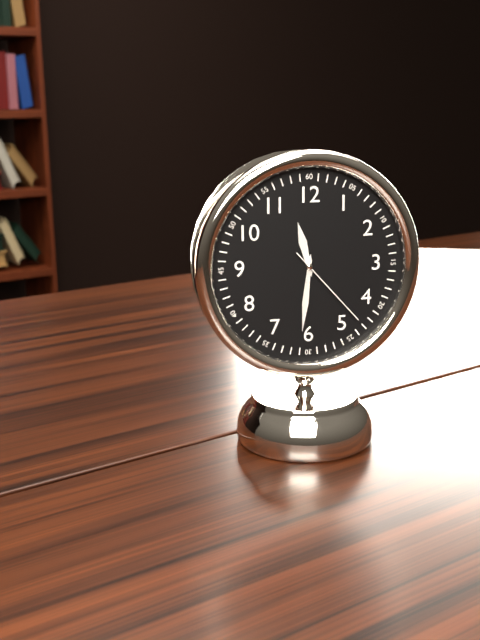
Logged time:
h=11 m=31 s=23
